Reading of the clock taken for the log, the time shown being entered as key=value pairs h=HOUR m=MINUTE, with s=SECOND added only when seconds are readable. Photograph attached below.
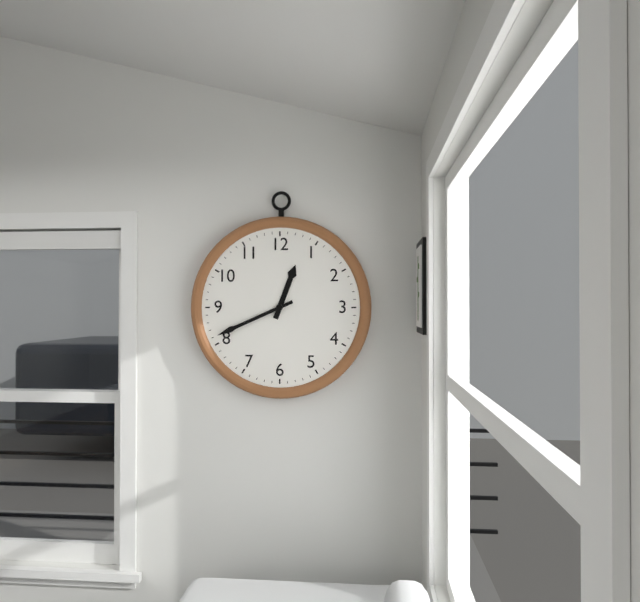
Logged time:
h=12 m=41
